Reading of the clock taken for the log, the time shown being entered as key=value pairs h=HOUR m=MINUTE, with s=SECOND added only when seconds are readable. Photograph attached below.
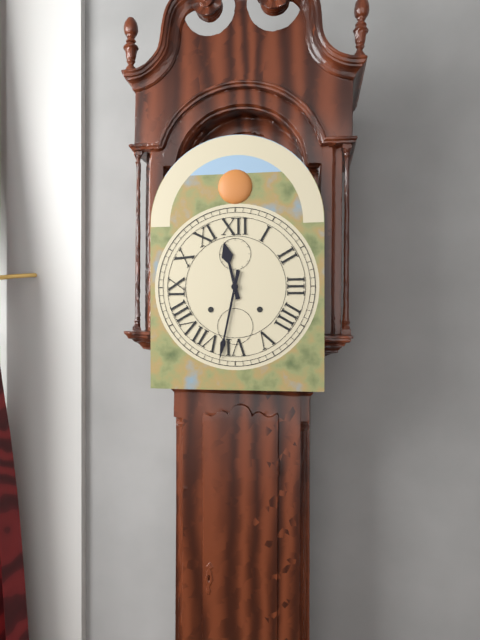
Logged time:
h=11 m=32
